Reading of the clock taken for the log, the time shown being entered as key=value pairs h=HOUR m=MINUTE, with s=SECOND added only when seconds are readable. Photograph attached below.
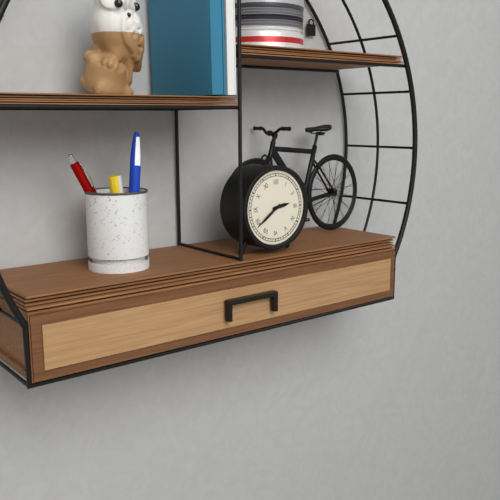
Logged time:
h=2 m=39
